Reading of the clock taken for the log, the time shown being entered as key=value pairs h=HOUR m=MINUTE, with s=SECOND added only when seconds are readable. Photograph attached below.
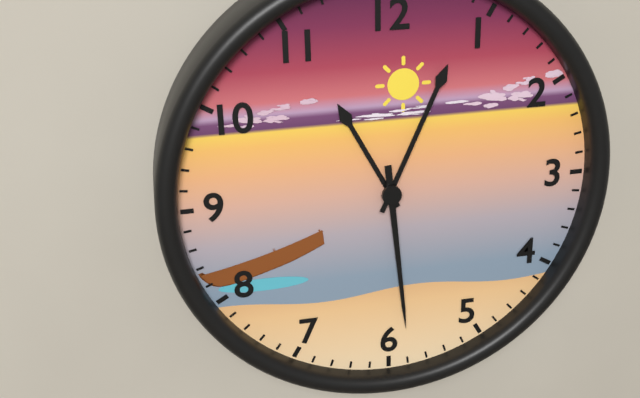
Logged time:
h=11 m=4 s=29
